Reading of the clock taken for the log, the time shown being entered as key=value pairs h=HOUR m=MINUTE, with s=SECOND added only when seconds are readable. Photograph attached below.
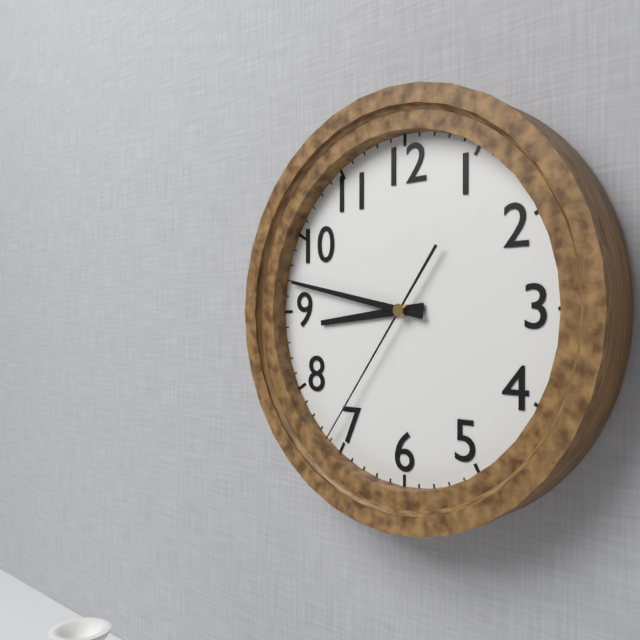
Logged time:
h=8 m=47 s=36
